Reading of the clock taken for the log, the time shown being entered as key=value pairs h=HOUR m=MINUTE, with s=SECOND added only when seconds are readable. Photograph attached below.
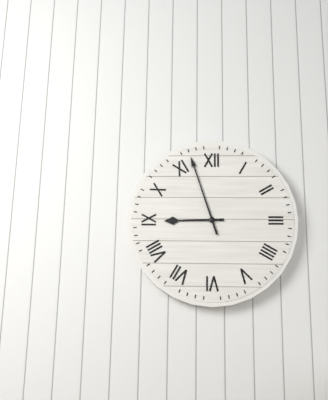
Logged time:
h=8 m=57
